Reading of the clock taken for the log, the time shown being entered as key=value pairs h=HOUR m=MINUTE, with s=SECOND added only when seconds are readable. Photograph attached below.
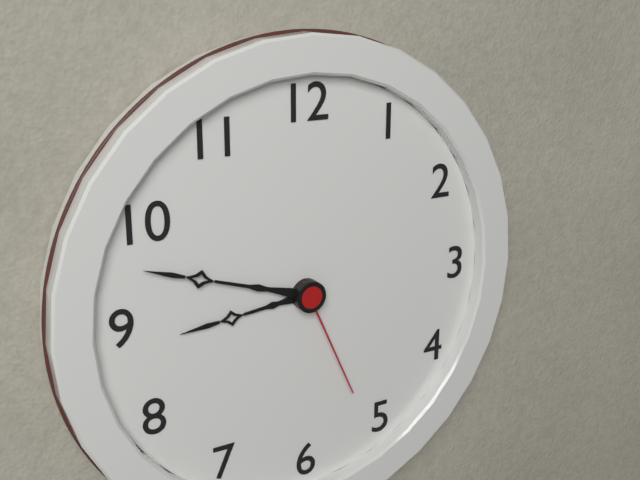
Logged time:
h=8 m=48 s=26
